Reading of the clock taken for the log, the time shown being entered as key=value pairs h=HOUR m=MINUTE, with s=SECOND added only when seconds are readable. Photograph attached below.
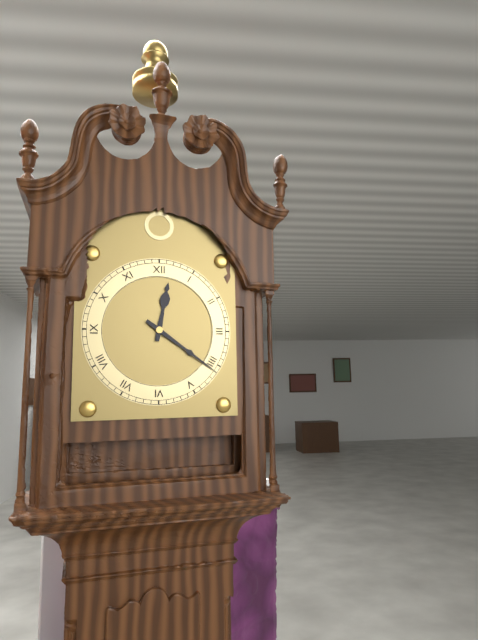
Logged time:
h=12 m=21
